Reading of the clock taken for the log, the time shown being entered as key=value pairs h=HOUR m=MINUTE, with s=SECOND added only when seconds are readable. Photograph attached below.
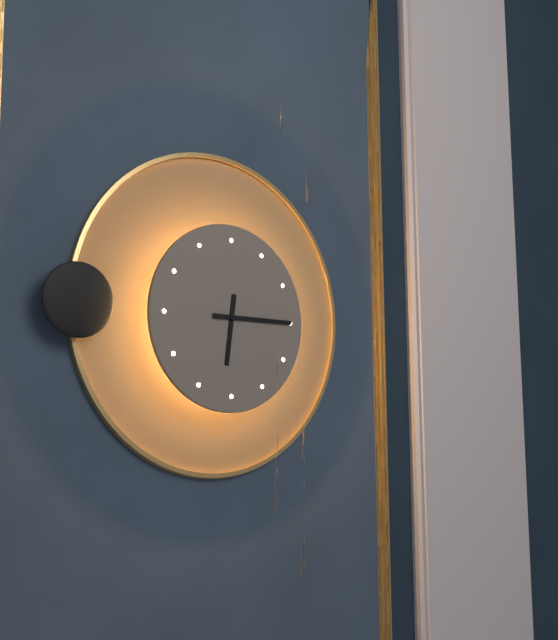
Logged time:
h=6 m=15
